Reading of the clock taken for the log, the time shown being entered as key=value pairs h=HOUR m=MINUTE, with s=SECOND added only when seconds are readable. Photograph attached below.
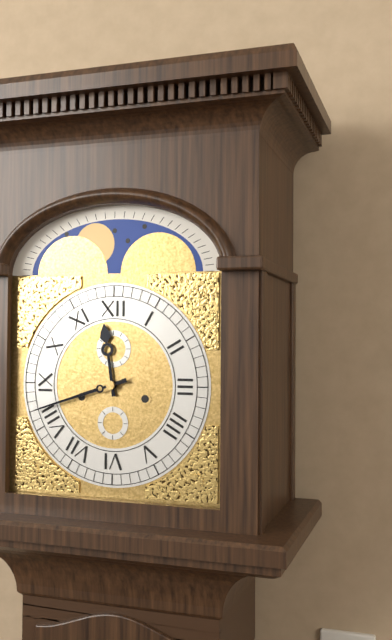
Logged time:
h=11 m=42
